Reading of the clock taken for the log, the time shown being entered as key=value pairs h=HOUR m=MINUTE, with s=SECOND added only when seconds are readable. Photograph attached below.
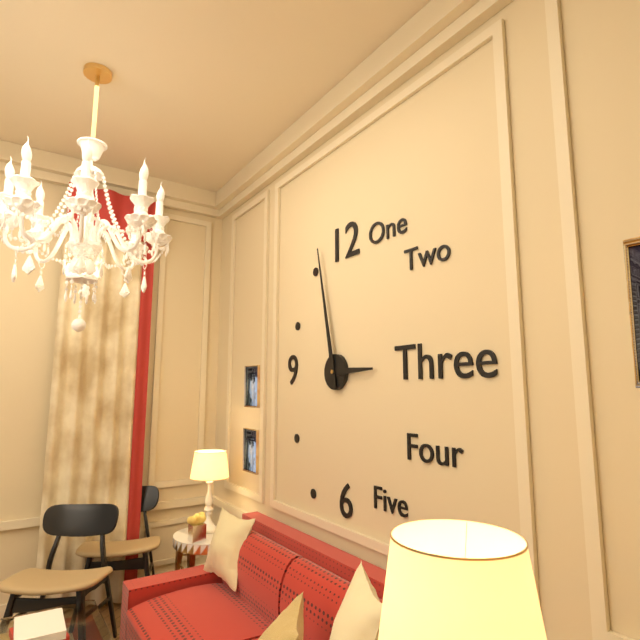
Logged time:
h=2 m=58
